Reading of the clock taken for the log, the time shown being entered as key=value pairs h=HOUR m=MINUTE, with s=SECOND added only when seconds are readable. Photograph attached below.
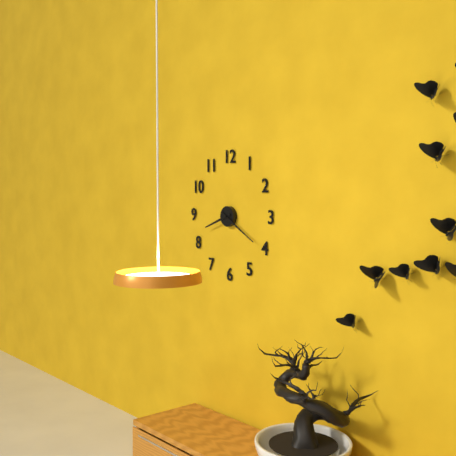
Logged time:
h=8 m=20
